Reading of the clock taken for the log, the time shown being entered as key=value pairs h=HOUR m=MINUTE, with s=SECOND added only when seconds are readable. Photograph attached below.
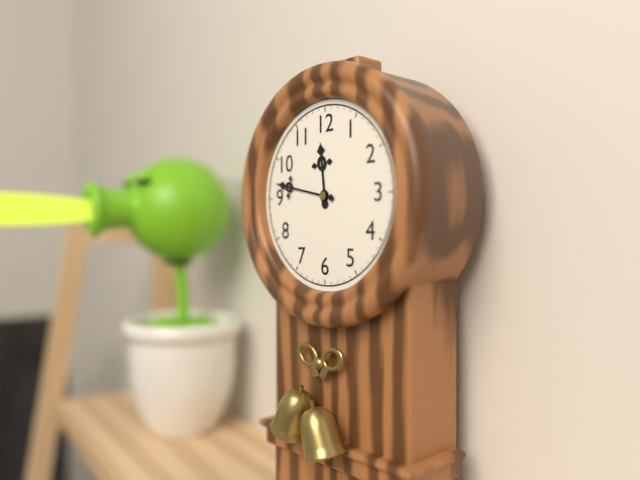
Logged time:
h=11 m=47
